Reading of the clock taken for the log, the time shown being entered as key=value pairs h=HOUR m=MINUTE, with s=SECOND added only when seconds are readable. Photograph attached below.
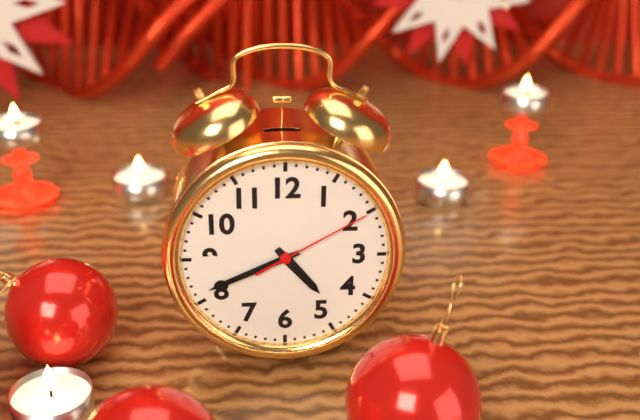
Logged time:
h=4 m=41 s=10
